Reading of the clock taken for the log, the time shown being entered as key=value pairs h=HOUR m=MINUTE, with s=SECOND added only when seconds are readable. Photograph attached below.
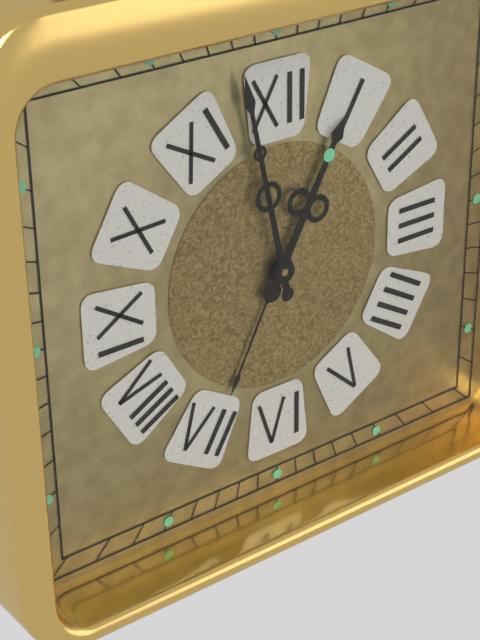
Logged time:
h=12 m=58
